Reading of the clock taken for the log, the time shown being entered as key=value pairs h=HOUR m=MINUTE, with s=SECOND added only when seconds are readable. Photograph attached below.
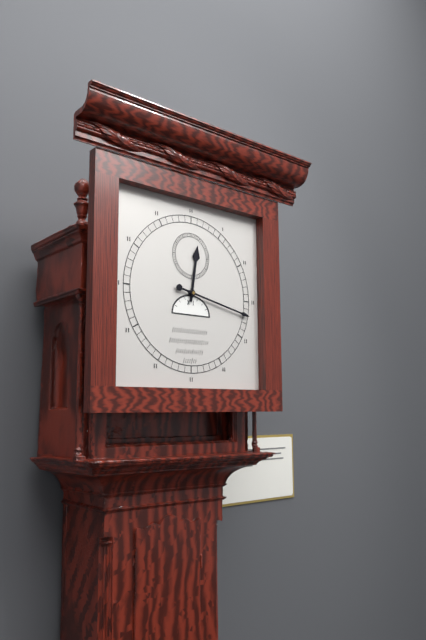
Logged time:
h=12 m=17
